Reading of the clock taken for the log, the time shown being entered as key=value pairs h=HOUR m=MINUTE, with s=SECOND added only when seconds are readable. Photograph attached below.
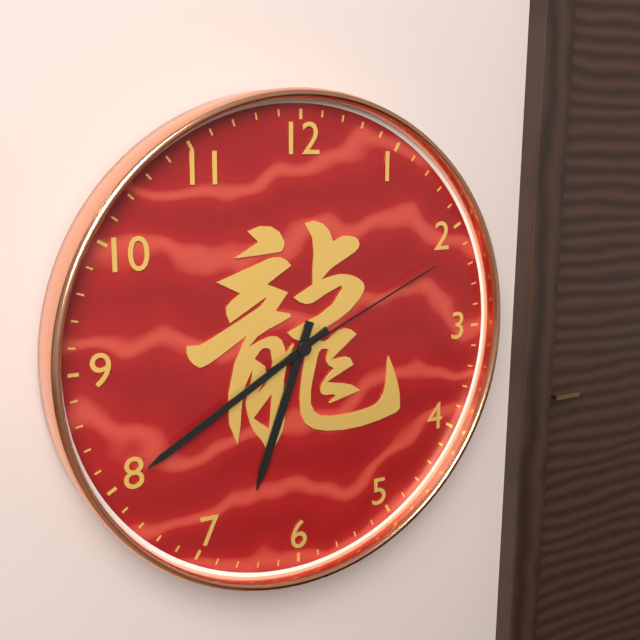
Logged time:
h=6 m=40 s=11
